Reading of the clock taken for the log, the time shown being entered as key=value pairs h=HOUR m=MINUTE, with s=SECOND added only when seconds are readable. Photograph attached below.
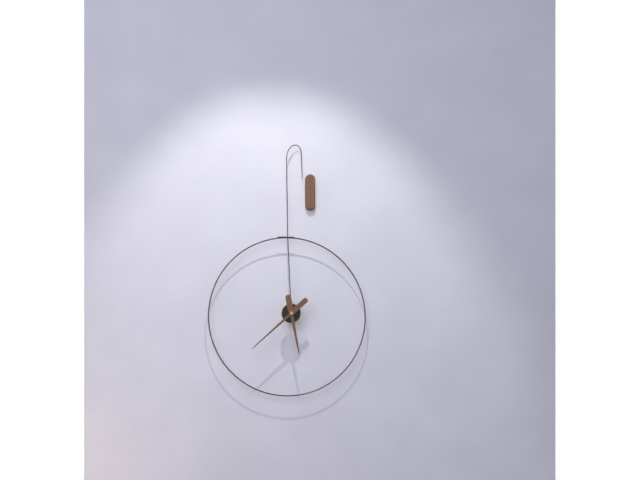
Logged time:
h=5 m=38
